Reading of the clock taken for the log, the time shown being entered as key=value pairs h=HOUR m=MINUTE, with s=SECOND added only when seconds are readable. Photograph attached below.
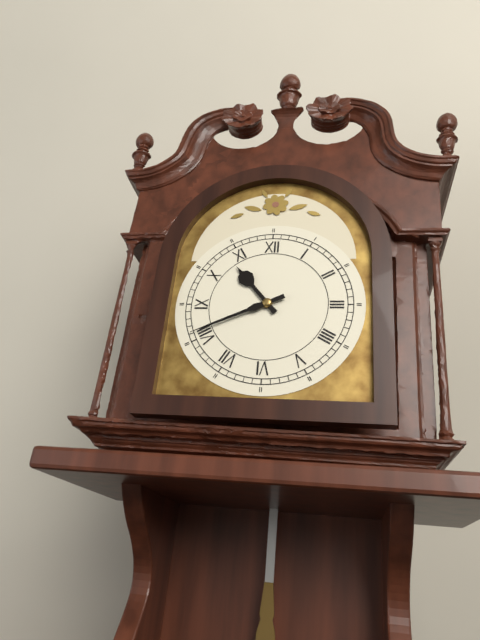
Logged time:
h=10 m=41
